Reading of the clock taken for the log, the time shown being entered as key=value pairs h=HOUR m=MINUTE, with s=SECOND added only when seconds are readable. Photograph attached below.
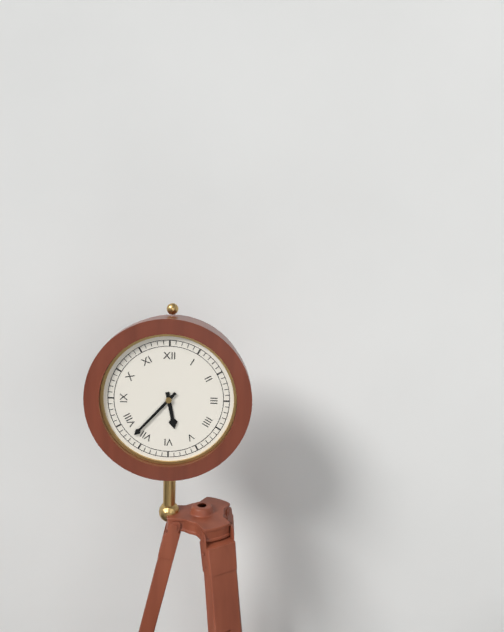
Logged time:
h=5 m=37
